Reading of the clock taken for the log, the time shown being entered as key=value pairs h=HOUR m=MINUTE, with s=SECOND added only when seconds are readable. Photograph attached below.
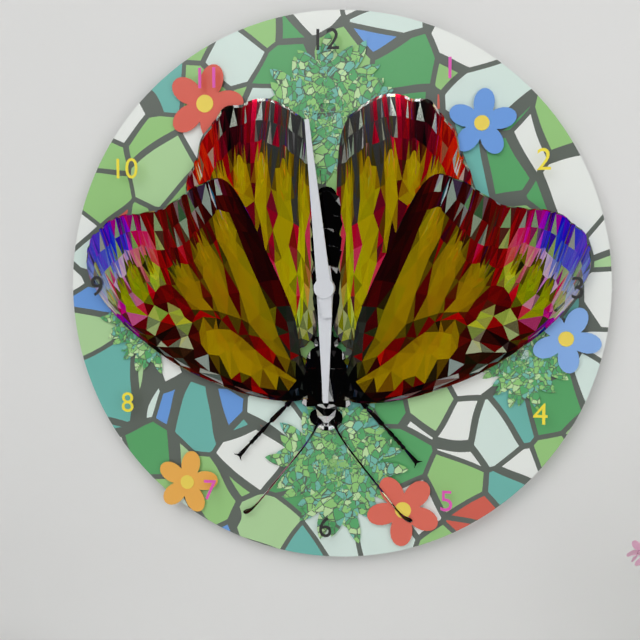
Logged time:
h=5 m=59
